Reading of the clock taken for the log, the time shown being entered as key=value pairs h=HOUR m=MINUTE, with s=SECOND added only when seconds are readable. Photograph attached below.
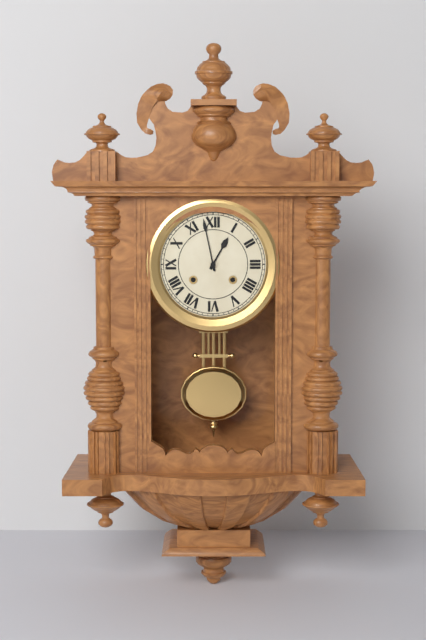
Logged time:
h=12 m=58
